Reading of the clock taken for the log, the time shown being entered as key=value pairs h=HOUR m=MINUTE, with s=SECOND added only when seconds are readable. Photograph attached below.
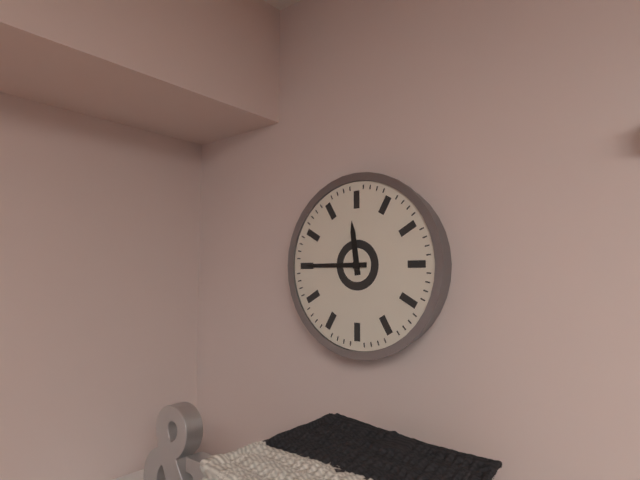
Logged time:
h=11 m=45
